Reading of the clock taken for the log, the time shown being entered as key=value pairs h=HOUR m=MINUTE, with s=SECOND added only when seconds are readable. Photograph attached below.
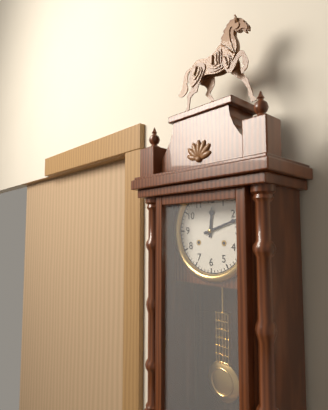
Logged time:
h=12 m=12
